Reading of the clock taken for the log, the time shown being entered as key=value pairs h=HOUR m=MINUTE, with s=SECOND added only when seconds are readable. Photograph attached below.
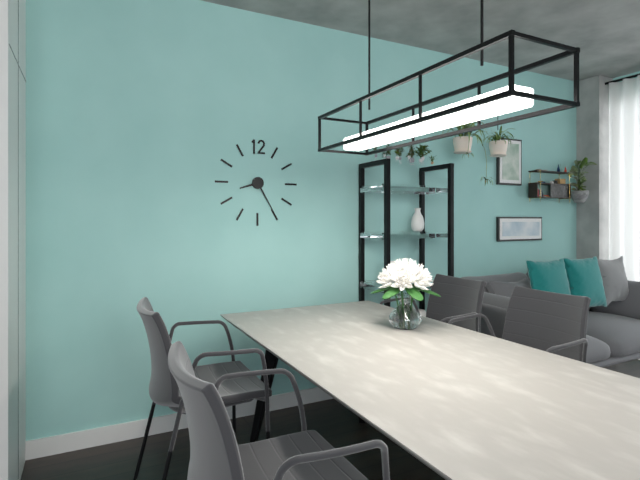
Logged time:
h=8 m=25
